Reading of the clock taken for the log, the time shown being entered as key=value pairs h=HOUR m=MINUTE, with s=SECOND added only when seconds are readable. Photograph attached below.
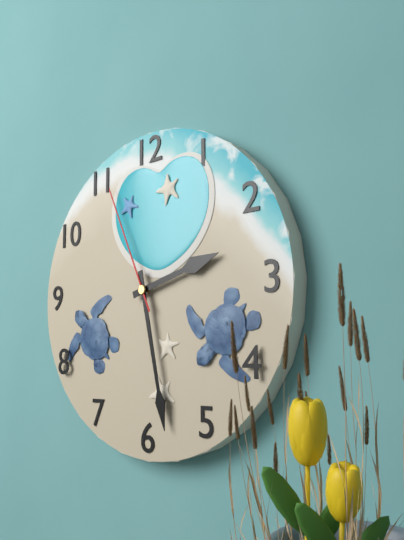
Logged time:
h=2 m=28 s=56
